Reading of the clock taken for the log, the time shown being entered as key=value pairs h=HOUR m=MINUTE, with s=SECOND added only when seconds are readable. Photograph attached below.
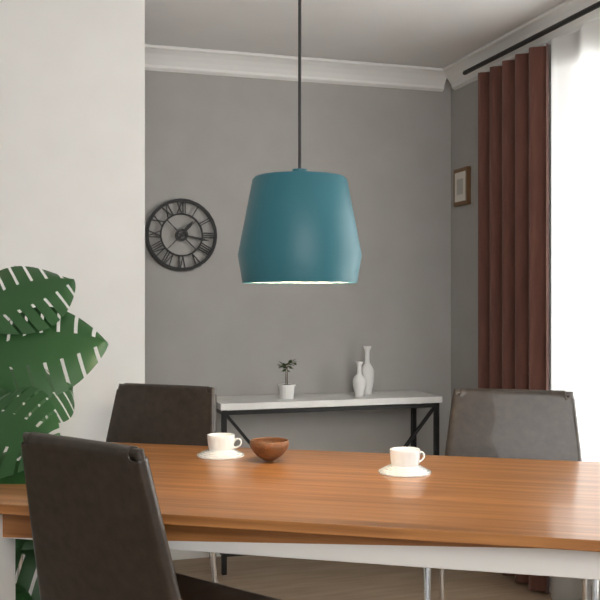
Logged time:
h=1 m=17
